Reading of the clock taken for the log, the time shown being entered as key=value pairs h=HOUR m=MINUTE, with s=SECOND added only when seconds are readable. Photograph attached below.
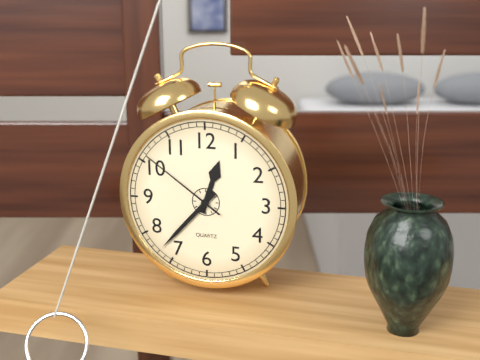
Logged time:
h=12 m=37 s=51
